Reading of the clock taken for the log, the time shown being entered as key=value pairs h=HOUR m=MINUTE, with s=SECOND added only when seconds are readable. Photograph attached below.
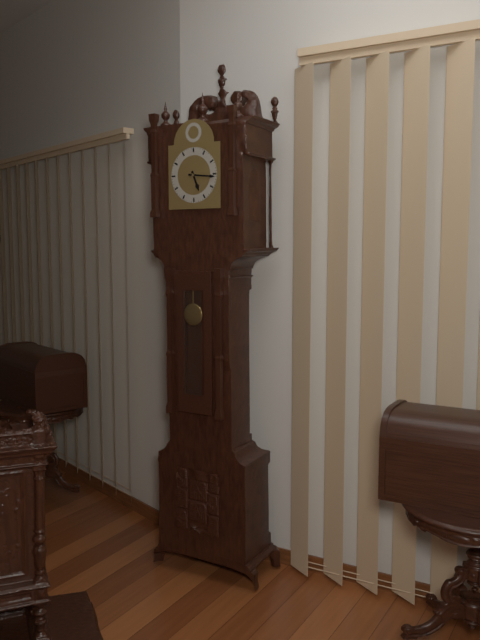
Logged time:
h=5 m=16
